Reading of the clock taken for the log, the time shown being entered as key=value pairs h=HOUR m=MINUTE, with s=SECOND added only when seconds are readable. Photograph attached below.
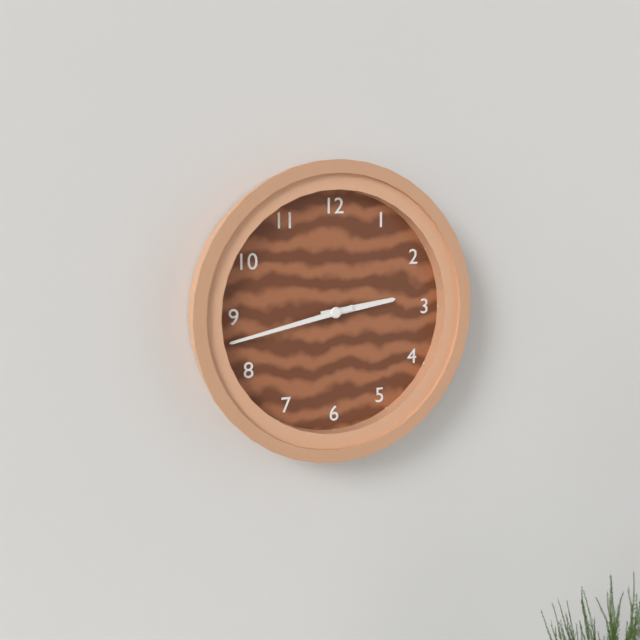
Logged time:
h=2 m=43
